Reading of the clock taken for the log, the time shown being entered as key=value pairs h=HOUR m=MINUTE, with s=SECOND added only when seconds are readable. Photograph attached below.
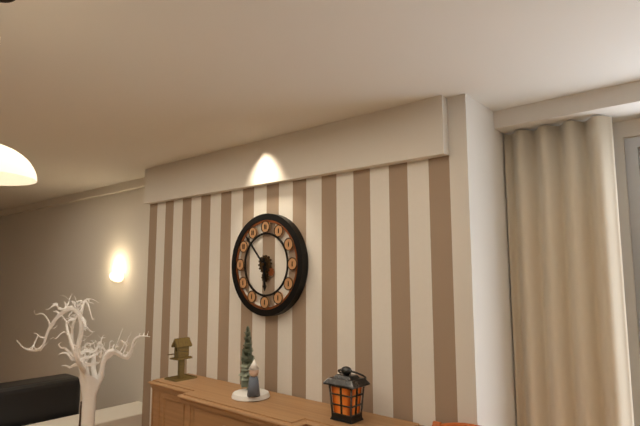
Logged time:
h=5 m=53
